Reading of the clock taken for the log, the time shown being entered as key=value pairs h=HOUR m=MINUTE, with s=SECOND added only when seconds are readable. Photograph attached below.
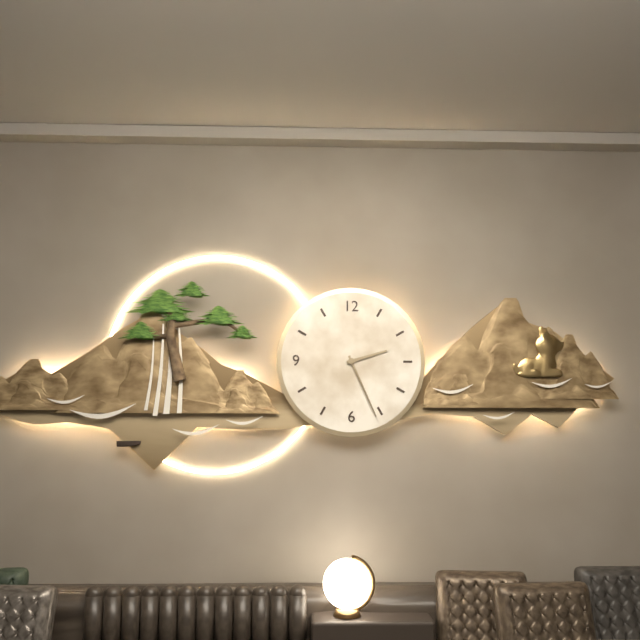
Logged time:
h=2 m=26
